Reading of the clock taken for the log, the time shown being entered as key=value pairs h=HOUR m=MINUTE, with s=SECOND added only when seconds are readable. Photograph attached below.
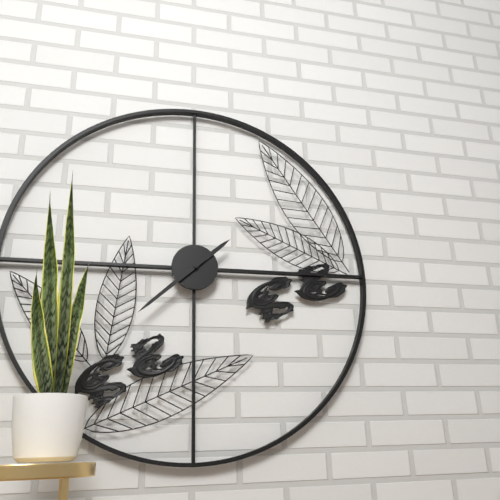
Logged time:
h=1 m=38
